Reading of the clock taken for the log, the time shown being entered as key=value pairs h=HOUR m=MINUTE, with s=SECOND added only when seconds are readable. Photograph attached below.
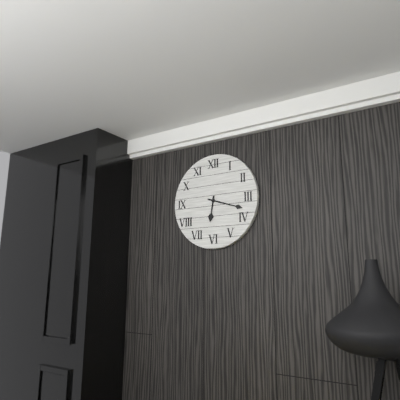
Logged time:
h=6 m=18
